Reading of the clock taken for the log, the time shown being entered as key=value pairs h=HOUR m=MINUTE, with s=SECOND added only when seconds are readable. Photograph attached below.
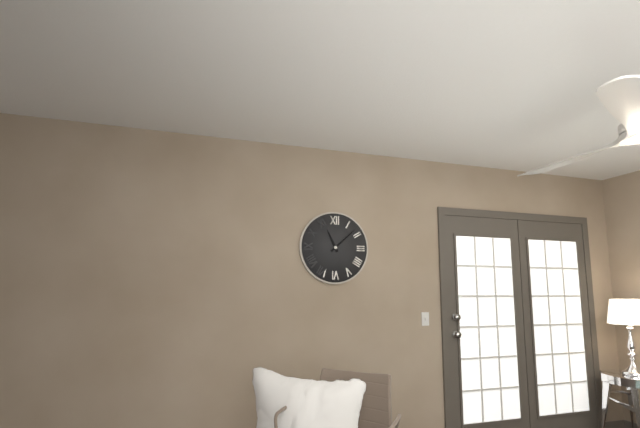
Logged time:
h=11 m=8
